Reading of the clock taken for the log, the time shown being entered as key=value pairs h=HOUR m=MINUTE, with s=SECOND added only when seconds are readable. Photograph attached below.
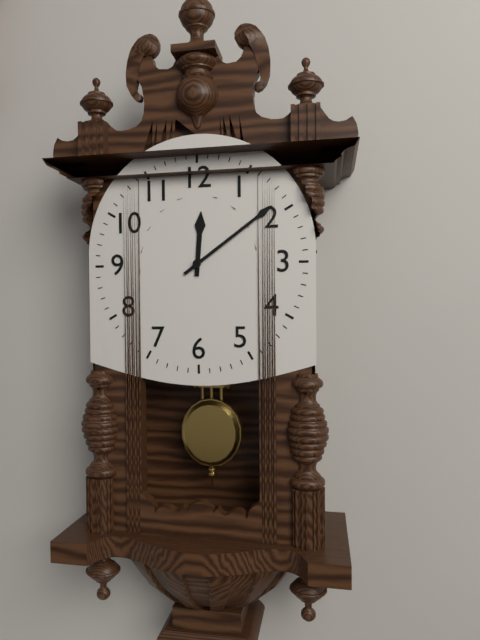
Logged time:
h=12 m=9
